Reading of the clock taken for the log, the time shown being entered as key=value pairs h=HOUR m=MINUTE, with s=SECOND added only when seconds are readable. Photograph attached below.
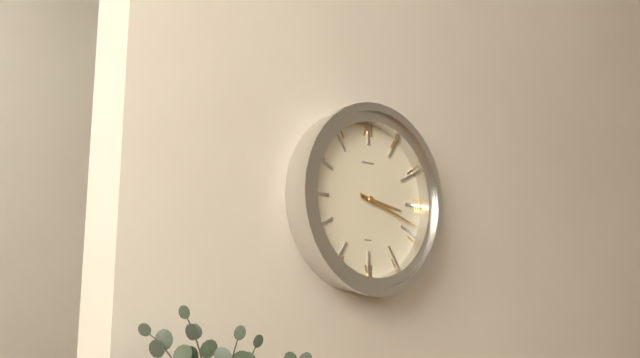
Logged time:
h=3 m=18
